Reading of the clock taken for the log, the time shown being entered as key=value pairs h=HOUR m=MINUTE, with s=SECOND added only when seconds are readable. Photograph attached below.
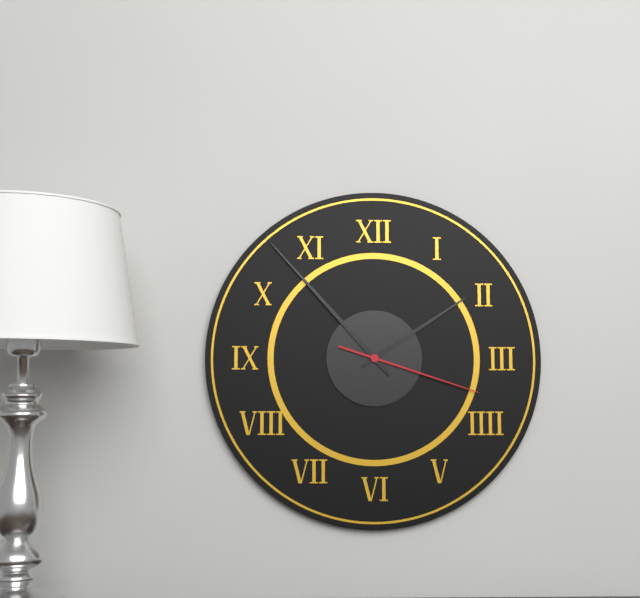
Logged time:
h=1 m=53 s=18
